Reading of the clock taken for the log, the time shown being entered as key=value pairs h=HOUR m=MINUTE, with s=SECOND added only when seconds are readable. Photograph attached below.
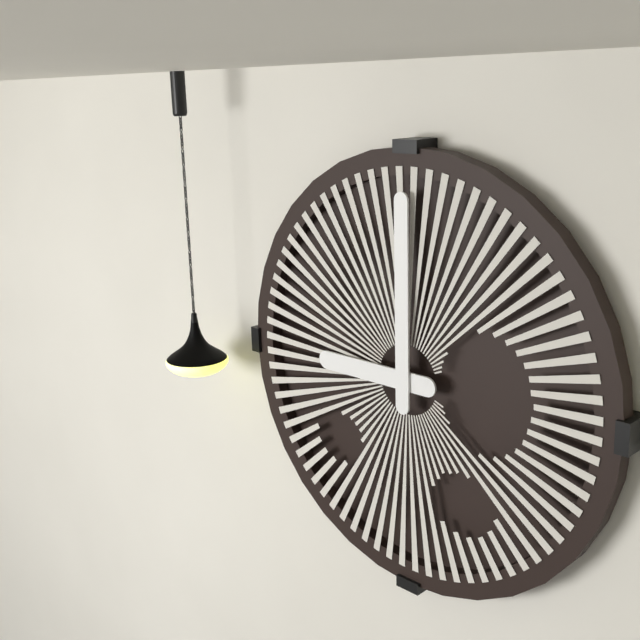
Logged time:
h=9 m=0
